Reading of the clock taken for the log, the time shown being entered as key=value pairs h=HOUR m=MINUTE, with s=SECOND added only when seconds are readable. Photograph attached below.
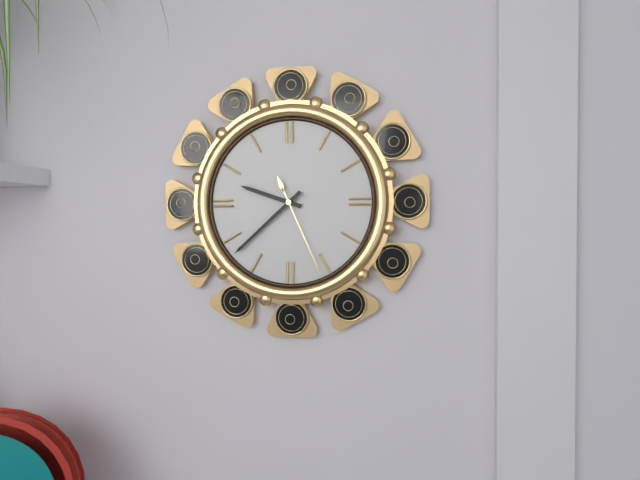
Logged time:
h=9 m=38 s=26
